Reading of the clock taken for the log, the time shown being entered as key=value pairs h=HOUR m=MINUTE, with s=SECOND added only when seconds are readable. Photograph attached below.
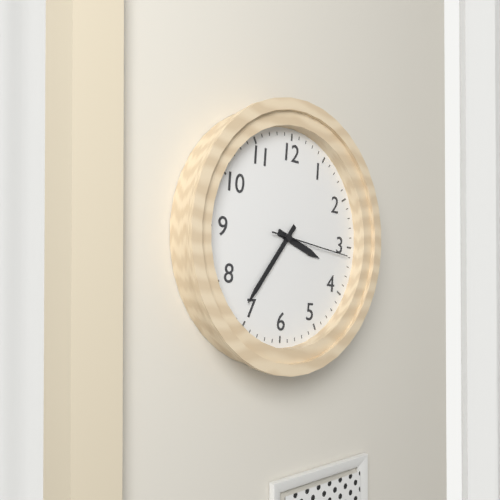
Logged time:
h=3 m=36 s=16
